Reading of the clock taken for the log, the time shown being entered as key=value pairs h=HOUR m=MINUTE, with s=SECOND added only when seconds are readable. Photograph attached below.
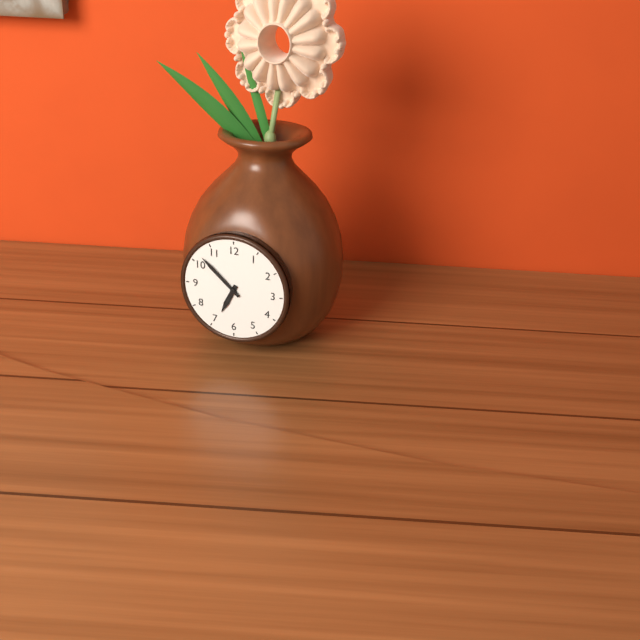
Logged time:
h=6 m=52
